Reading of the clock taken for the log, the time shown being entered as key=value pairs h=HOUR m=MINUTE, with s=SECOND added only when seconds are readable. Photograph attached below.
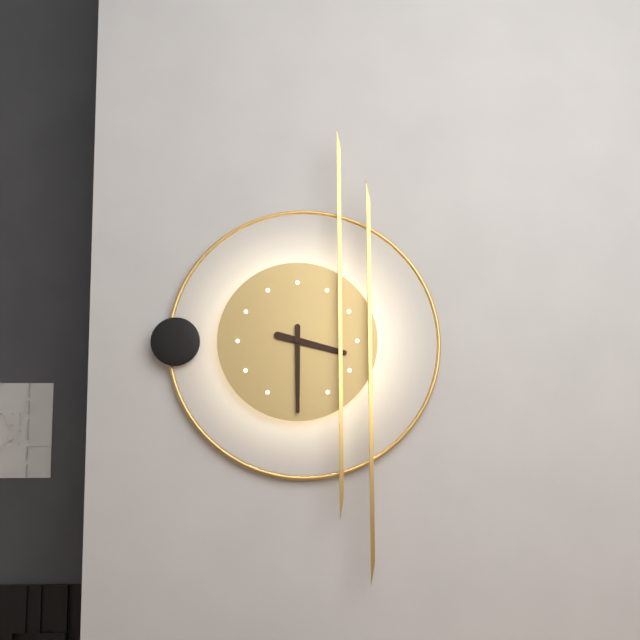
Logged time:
h=3 m=30
